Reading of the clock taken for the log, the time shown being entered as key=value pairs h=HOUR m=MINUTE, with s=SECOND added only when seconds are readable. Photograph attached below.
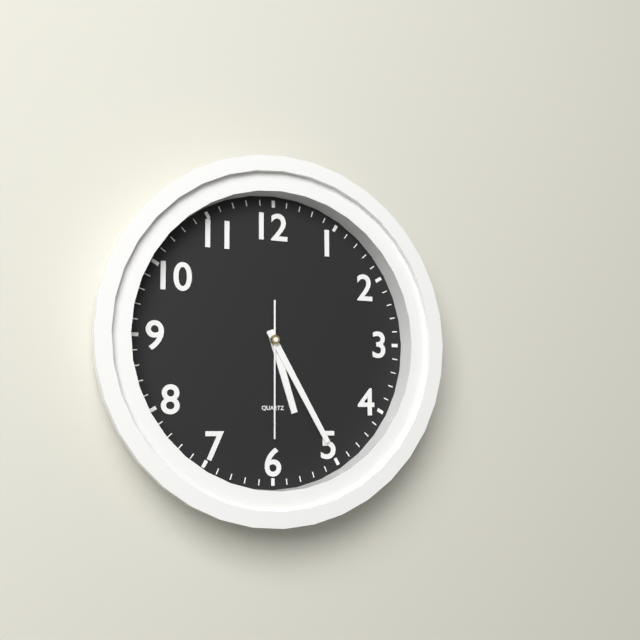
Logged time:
h=5 m=25 s=30
